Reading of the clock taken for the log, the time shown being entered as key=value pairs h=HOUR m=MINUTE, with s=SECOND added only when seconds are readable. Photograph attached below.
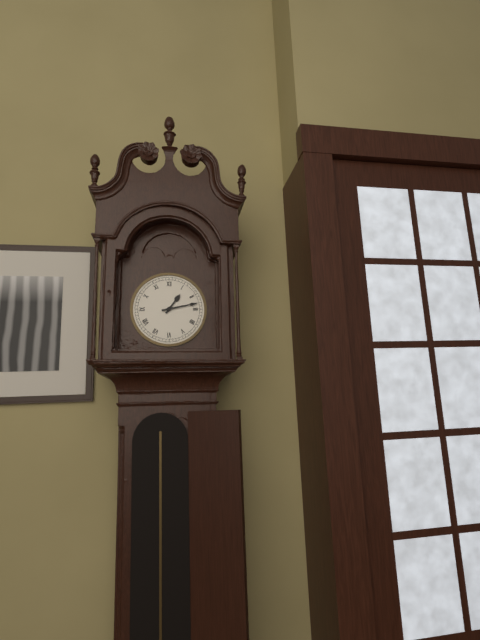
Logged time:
h=1 m=13
